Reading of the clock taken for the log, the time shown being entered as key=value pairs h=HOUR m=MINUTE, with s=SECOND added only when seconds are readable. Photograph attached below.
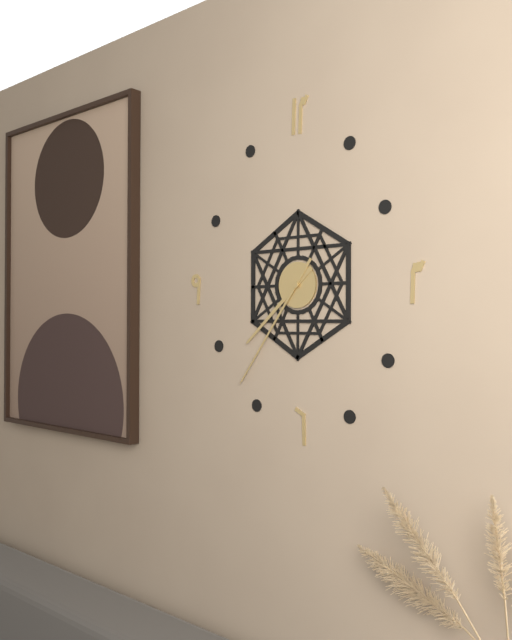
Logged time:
h=7 m=36
